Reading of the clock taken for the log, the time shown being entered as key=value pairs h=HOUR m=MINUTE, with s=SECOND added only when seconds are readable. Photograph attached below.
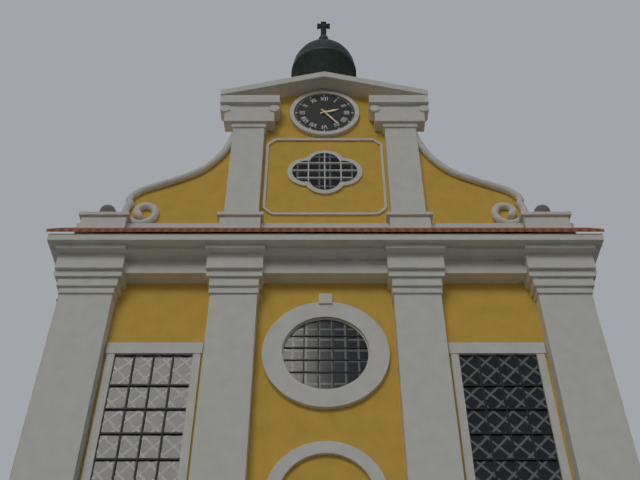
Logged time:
h=2 m=24
